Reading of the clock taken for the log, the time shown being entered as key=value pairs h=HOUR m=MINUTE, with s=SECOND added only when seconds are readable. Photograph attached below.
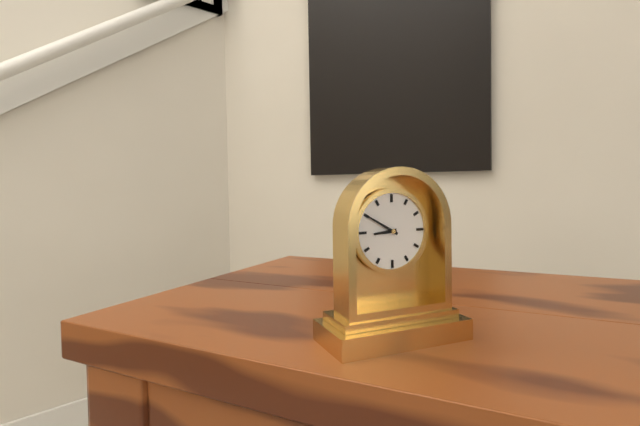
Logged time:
h=8 m=50
